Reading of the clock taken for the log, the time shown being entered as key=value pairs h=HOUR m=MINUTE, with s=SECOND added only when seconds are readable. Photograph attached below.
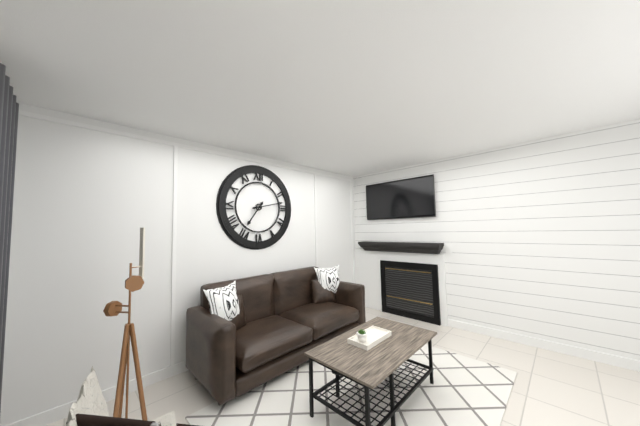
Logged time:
h=7 m=13
